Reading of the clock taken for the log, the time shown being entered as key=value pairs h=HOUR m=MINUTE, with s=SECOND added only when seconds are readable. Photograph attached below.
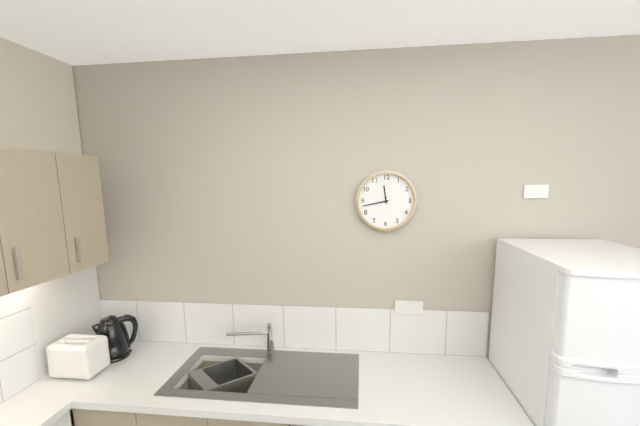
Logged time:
h=11 m=43
